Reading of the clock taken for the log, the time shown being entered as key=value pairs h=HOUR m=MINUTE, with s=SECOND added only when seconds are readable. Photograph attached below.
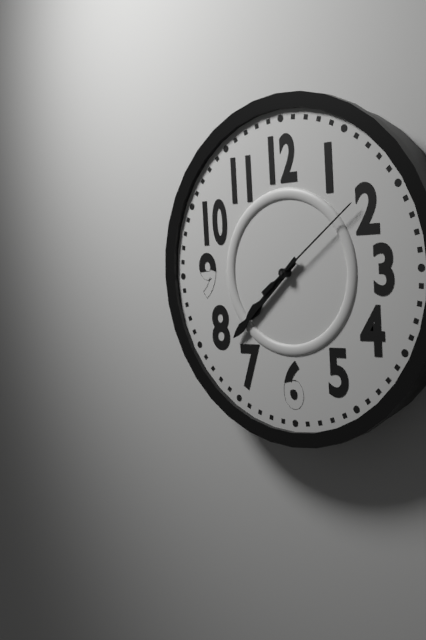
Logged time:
h=7 m=38 s=9
